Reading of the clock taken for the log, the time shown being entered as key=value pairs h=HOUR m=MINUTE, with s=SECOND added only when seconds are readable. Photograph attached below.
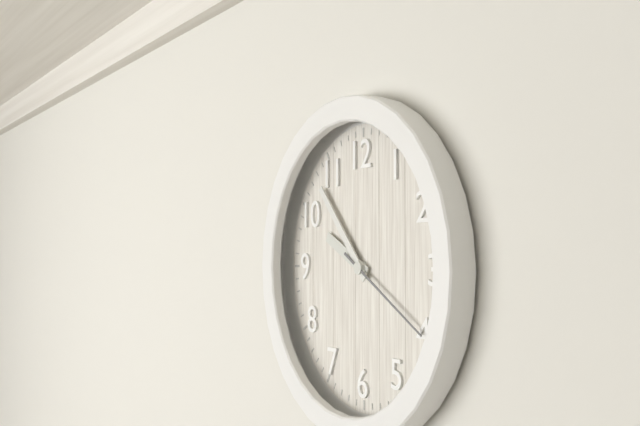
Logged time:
h=9 m=53 s=20
